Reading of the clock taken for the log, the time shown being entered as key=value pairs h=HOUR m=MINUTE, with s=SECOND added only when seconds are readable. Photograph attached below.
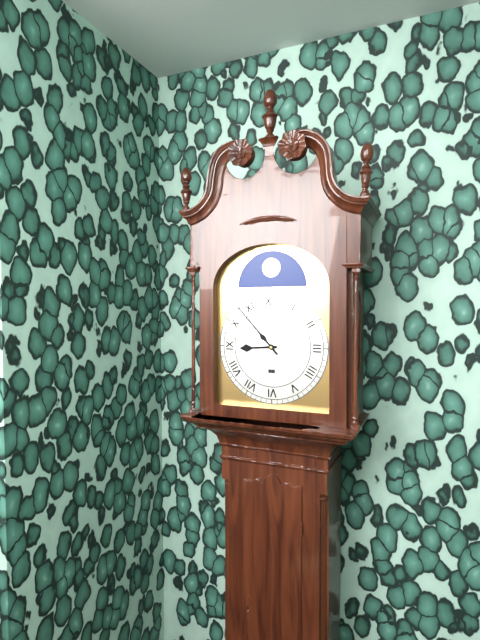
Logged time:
h=8 m=53
